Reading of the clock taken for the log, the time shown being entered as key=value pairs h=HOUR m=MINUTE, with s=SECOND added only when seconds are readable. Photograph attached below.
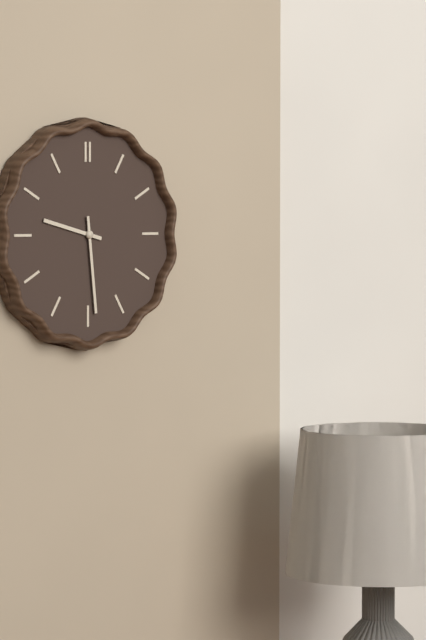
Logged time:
h=9 m=29
